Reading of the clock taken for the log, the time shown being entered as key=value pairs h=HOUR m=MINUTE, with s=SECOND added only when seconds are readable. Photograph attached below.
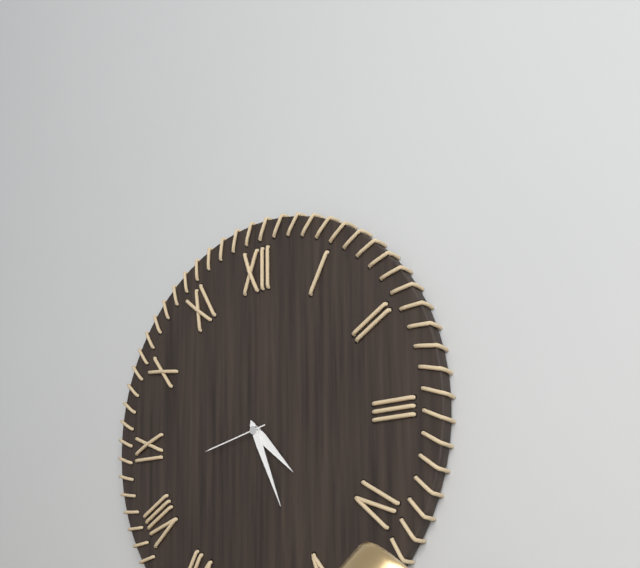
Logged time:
h=4 m=26 s=43
